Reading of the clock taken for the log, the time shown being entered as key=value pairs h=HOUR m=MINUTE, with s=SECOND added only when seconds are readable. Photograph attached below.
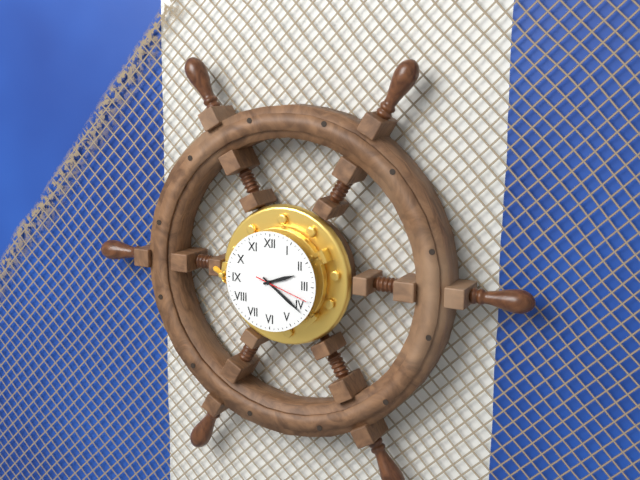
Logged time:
h=2 m=21 s=18
